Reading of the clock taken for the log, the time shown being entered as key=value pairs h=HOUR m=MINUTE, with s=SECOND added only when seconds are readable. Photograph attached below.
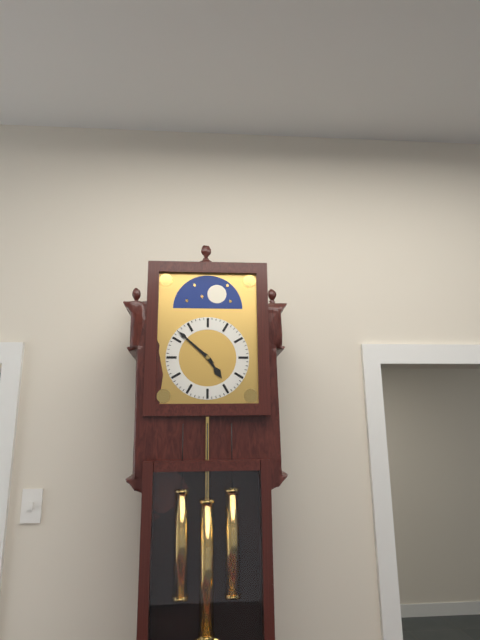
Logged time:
h=4 m=52
